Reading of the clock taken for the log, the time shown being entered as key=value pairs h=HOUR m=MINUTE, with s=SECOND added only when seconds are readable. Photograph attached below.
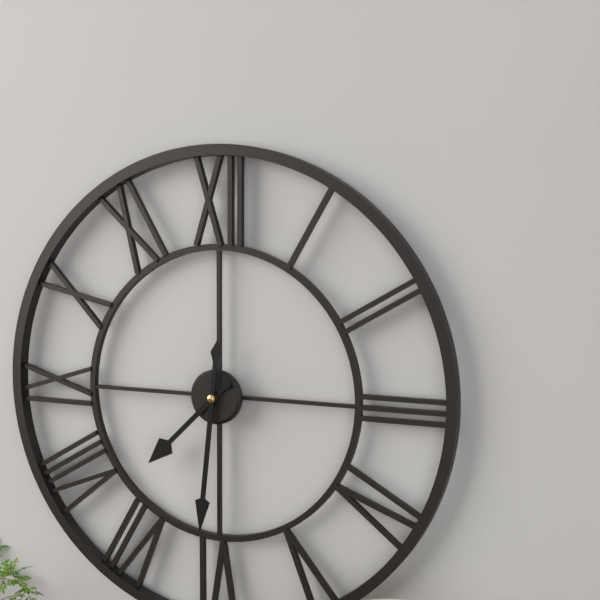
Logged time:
h=7 m=31
